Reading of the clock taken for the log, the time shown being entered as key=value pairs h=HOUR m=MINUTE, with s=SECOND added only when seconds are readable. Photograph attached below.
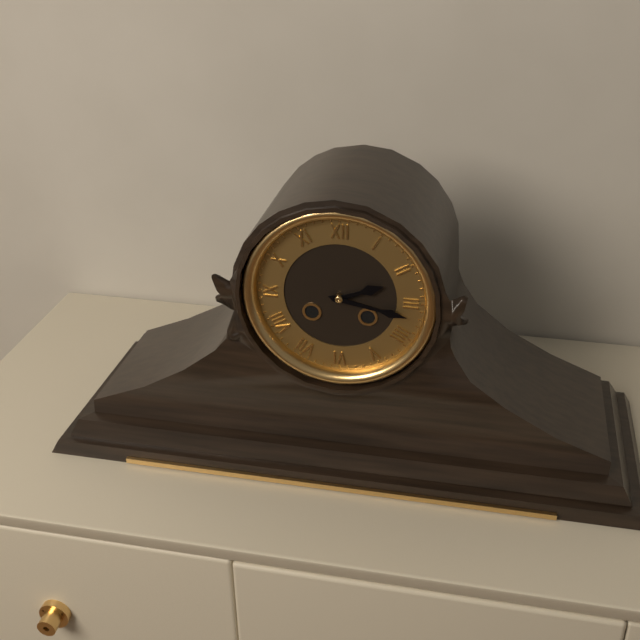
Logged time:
h=2 m=17
